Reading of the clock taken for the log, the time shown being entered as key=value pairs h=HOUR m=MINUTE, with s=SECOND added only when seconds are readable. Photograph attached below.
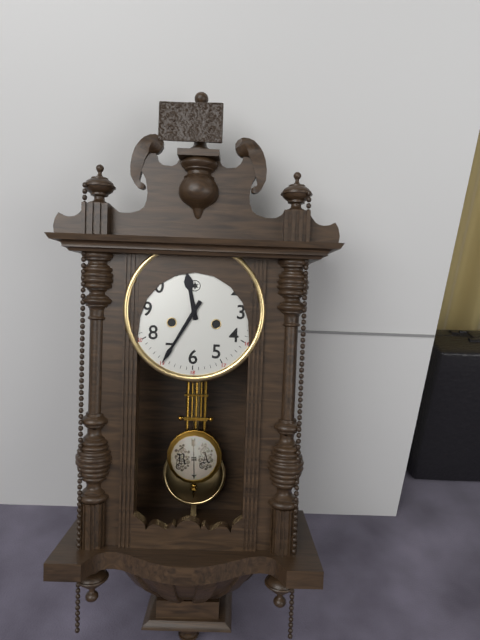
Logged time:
h=11 m=35
